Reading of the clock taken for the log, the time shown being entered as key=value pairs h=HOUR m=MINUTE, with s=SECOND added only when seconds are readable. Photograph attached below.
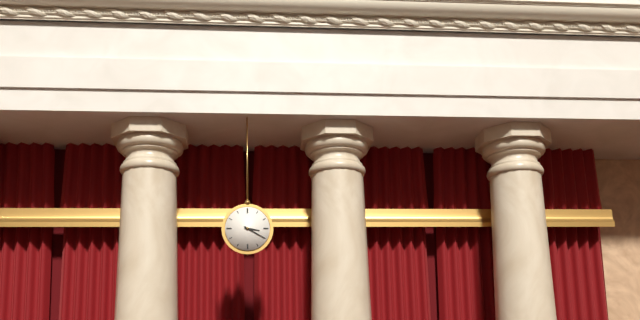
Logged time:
h=3 m=20
